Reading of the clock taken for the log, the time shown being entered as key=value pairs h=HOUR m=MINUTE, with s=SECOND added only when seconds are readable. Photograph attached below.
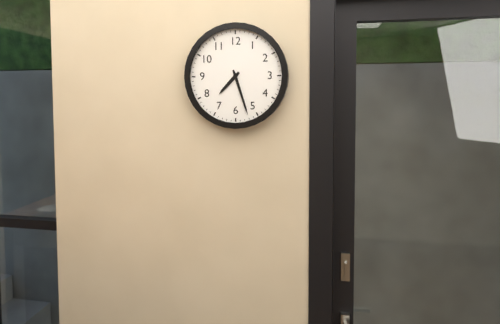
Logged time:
h=7 m=27
